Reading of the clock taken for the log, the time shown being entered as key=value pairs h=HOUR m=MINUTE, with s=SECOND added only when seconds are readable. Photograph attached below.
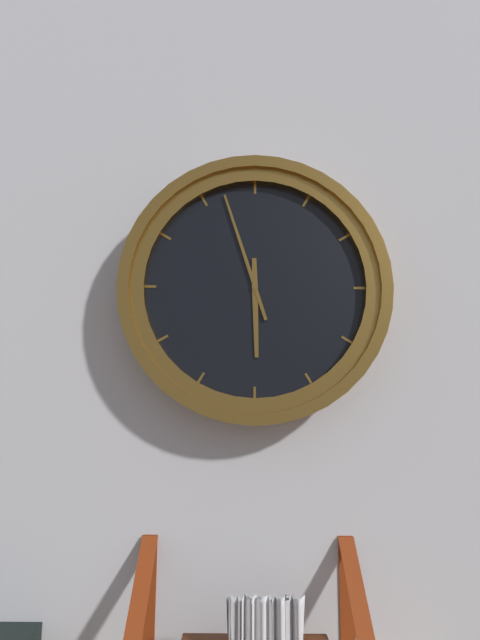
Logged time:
h=5 m=57
